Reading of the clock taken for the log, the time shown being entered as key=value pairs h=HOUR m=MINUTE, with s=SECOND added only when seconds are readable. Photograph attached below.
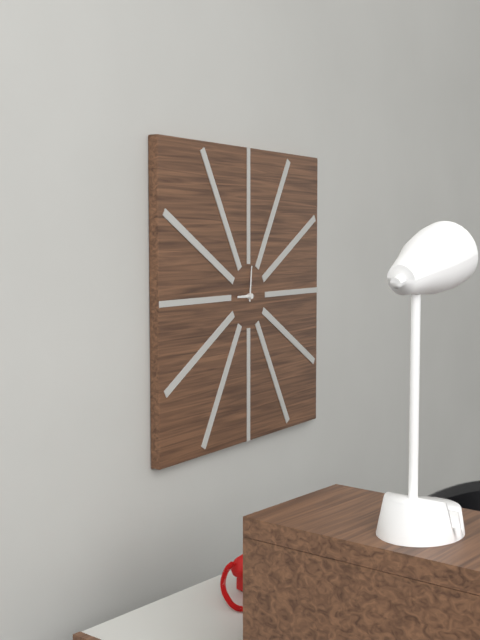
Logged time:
h=9 m=1
